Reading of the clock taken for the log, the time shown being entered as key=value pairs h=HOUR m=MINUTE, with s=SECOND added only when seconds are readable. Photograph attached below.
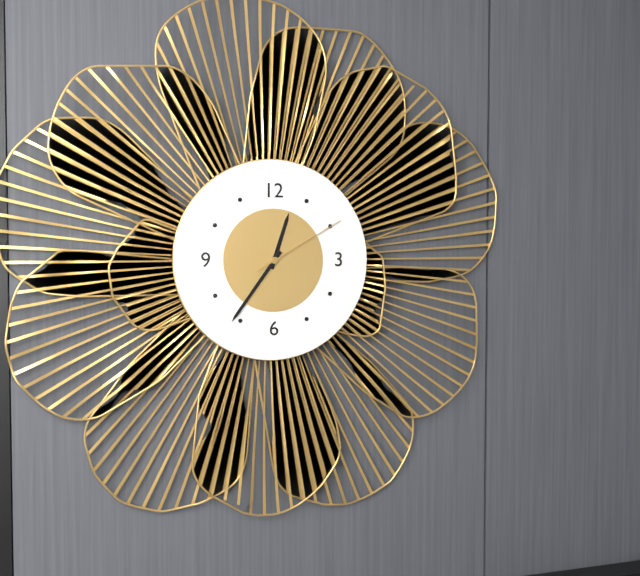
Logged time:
h=12 m=36 s=10
